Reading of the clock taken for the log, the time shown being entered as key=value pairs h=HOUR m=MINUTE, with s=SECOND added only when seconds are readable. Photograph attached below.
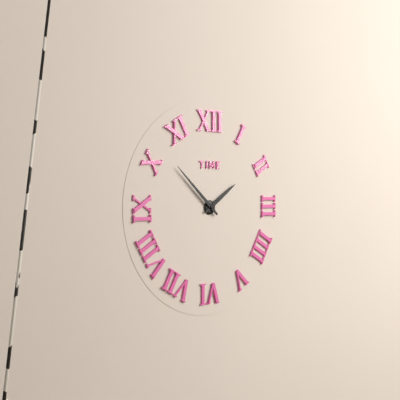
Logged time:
h=1 m=52
